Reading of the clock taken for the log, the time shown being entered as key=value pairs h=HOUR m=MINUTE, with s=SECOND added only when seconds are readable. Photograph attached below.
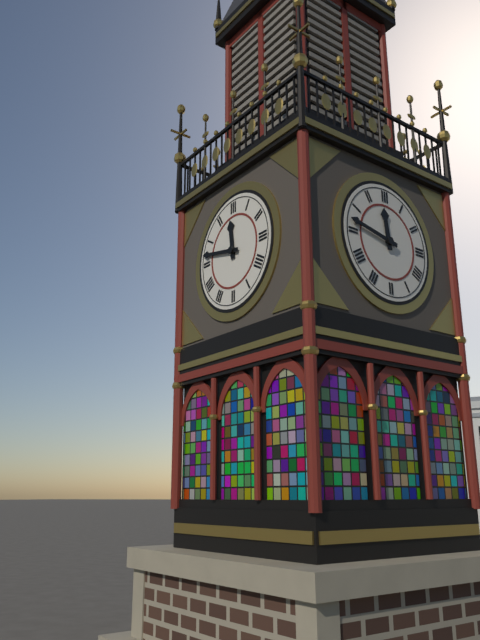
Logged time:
h=11 m=47
